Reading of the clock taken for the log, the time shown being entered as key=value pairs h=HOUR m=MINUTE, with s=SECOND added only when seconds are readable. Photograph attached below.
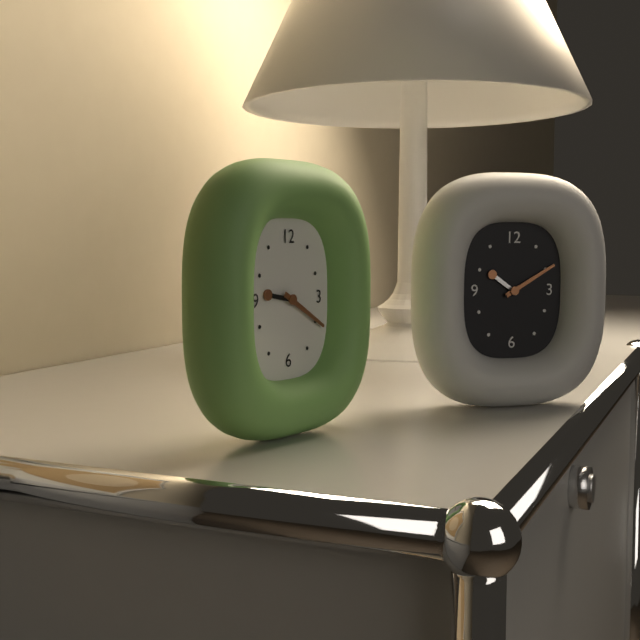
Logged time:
h=9 m=20
